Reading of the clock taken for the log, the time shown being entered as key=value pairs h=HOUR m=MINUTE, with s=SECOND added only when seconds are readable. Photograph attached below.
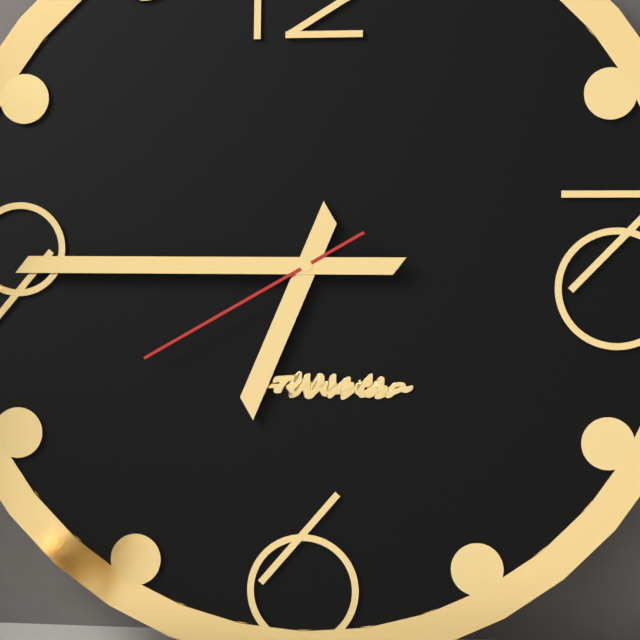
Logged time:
h=6 m=45 s=40
